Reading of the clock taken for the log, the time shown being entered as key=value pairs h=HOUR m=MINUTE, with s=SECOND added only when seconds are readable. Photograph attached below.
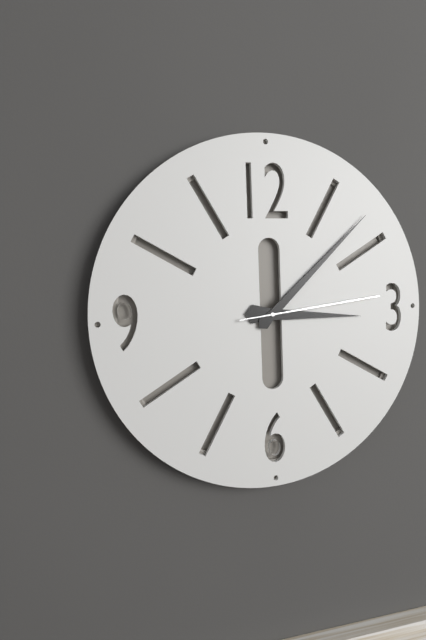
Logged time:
h=3 m=8 s=14
